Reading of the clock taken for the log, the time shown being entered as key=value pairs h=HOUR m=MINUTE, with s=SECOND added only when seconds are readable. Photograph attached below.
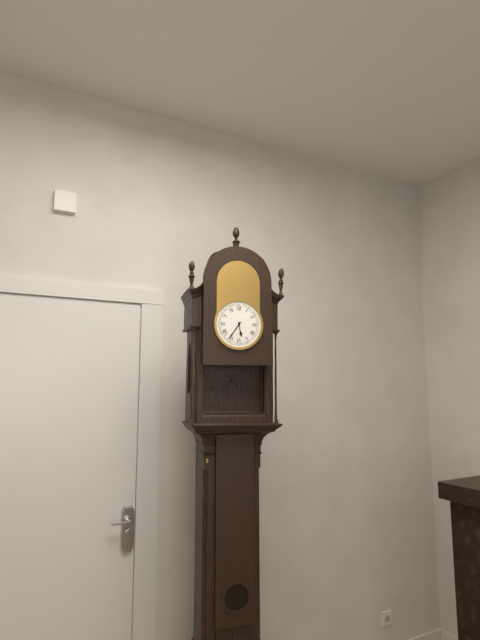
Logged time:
h=5 m=36
